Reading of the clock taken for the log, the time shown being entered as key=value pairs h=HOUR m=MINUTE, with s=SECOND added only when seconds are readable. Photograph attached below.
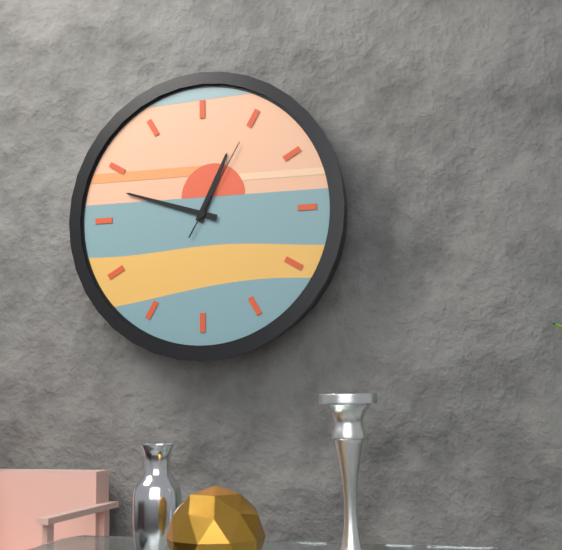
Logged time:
h=12 m=48 s=5
